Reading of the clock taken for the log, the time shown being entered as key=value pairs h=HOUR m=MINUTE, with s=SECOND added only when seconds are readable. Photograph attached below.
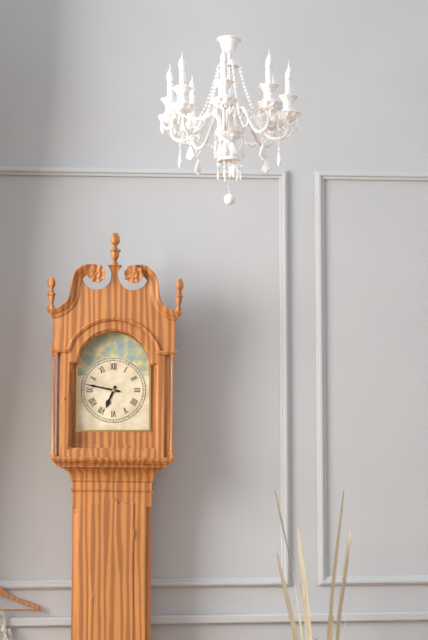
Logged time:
h=6 m=47
